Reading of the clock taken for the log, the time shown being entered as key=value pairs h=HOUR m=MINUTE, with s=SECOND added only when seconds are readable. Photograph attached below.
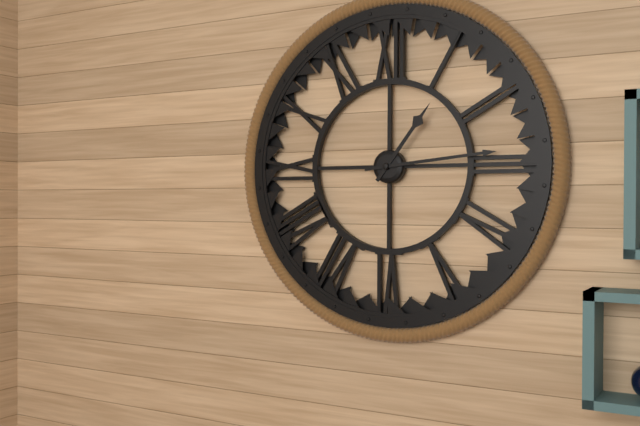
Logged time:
h=1 m=14
